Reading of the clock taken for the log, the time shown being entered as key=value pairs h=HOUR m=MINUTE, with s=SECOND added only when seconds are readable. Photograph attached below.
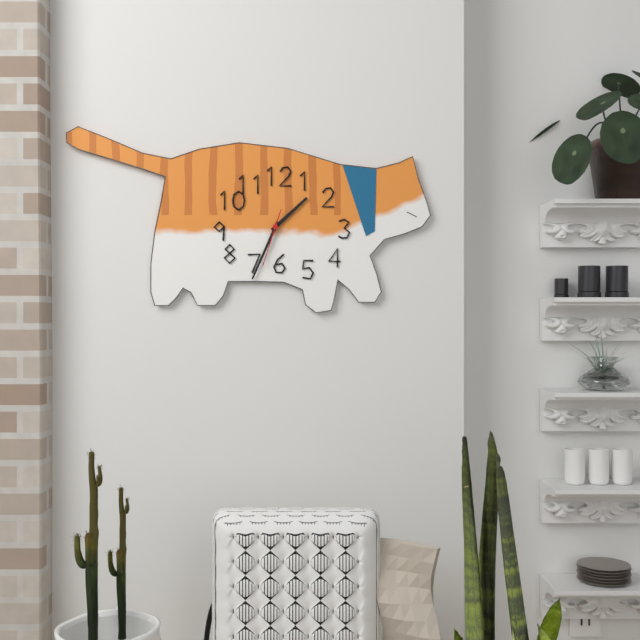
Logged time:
h=1 m=34 s=33
